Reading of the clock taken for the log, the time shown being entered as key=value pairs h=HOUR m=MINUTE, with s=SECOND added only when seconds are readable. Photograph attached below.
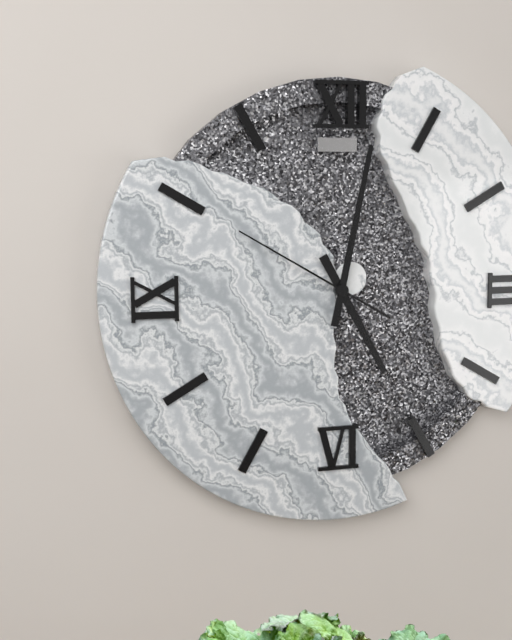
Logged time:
h=5 m=2 s=50
